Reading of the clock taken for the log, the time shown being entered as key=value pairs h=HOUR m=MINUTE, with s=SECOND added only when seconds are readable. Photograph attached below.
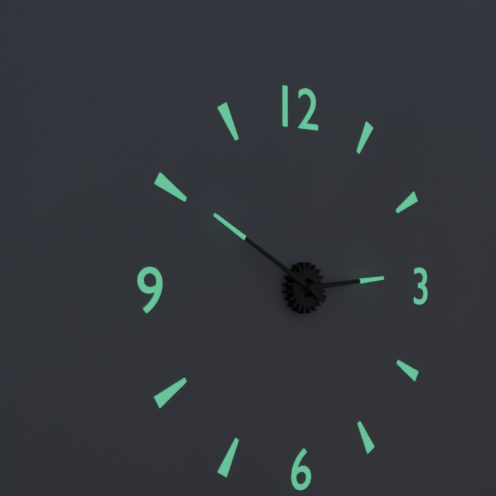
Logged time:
h=2 m=50
